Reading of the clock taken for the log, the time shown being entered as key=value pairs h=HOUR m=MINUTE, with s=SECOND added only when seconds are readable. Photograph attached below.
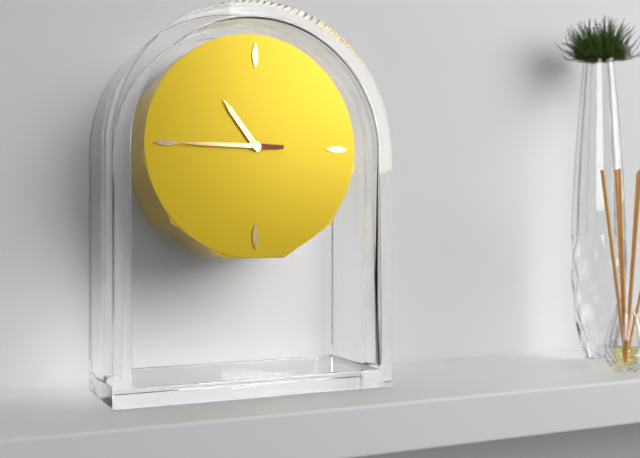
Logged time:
h=10 m=45
